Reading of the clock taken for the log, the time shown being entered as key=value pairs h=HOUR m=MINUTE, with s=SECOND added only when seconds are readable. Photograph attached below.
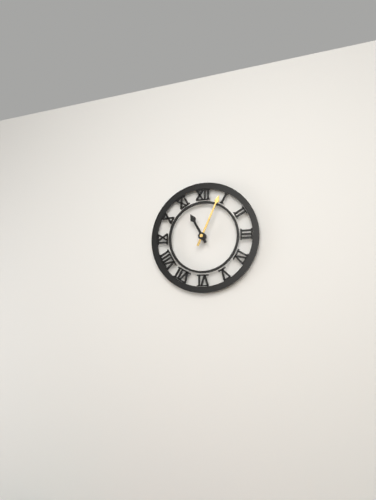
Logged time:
h=11 m=4
